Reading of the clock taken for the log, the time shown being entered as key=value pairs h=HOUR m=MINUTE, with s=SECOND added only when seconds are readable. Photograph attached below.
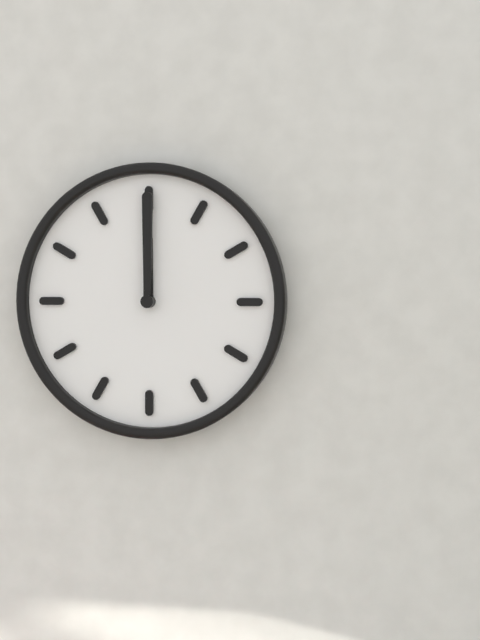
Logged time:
h=12 m=0
